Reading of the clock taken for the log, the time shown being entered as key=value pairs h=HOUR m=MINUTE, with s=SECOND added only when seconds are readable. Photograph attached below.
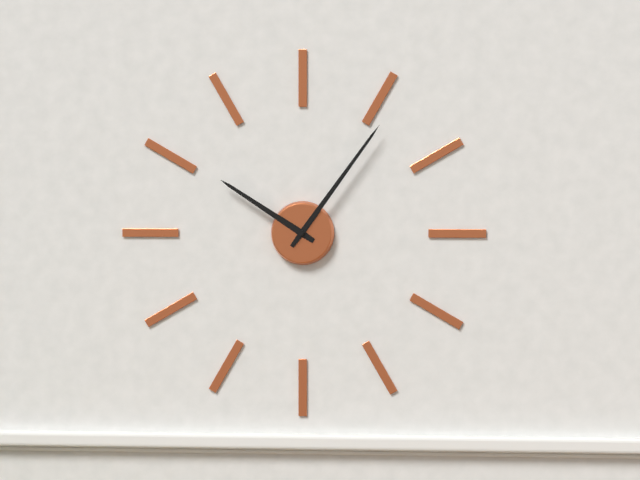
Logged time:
h=10 m=6
